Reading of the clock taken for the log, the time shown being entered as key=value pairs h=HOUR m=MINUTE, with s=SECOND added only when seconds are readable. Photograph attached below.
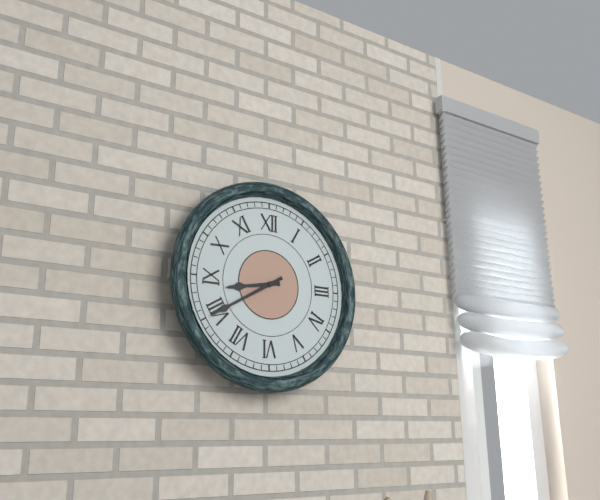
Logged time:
h=8 m=40
